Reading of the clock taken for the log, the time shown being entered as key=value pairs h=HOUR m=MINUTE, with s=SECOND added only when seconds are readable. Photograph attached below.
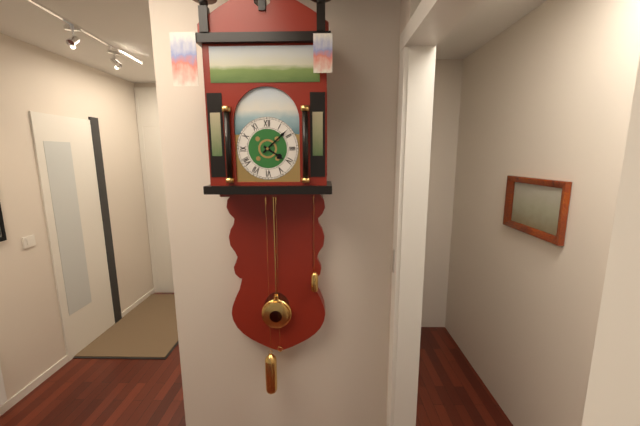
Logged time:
h=4 m=8
